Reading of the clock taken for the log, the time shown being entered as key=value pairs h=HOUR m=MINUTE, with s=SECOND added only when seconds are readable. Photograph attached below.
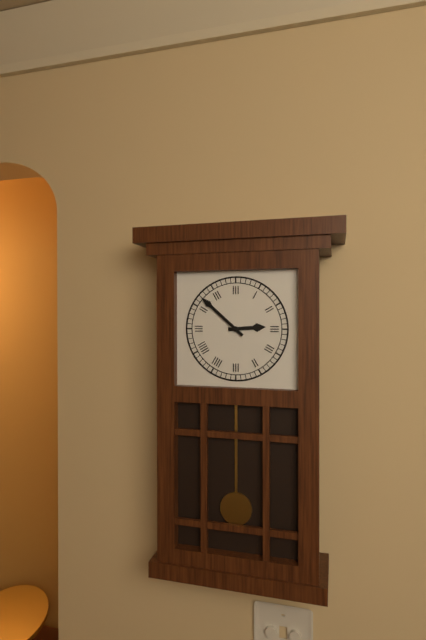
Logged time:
h=2 m=52
